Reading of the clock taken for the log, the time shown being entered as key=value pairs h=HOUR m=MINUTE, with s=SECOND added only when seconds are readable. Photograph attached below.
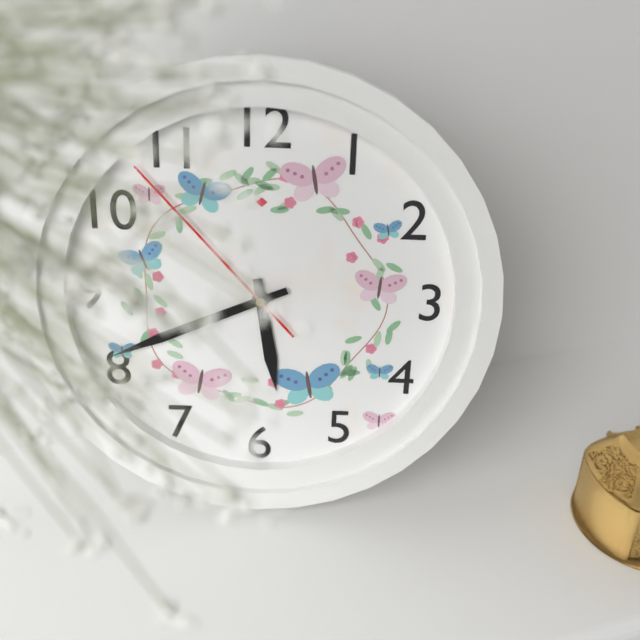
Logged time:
h=5 m=41 s=53
